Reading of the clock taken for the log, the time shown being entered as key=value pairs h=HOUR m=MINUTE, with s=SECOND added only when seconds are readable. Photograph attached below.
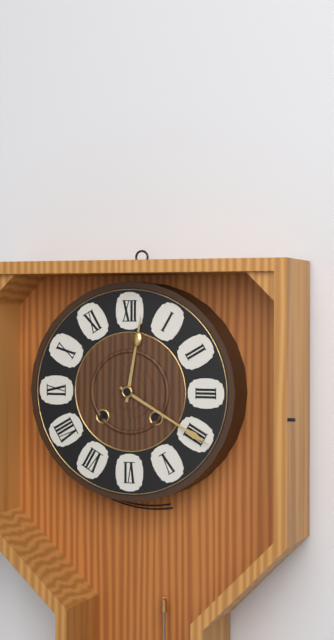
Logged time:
h=12 m=20
